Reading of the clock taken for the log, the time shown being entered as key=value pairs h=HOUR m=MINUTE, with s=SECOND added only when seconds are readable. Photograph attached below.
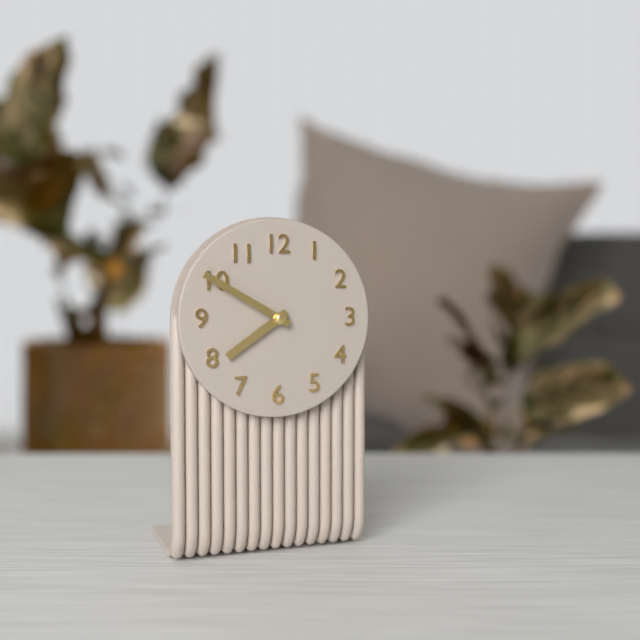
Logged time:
h=7 m=50
